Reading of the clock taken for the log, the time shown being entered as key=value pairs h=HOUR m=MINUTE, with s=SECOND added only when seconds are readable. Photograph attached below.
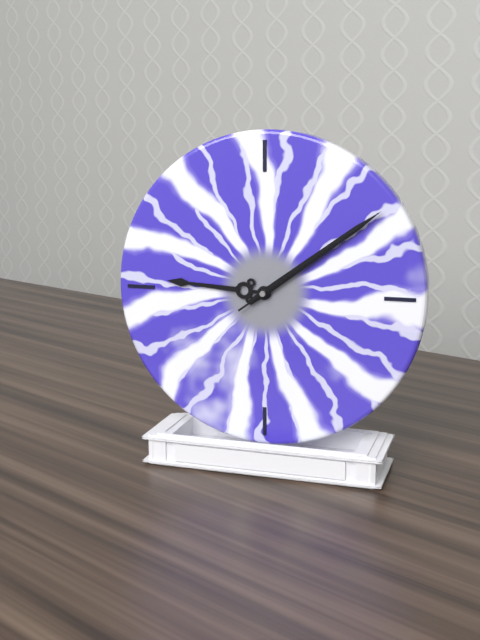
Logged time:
h=9 m=9 s=9
